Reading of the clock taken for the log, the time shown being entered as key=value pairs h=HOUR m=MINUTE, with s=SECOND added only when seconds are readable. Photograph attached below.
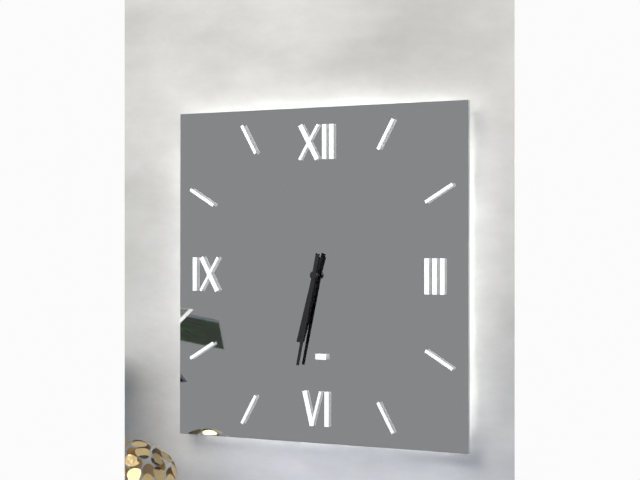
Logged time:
h=6 m=32
